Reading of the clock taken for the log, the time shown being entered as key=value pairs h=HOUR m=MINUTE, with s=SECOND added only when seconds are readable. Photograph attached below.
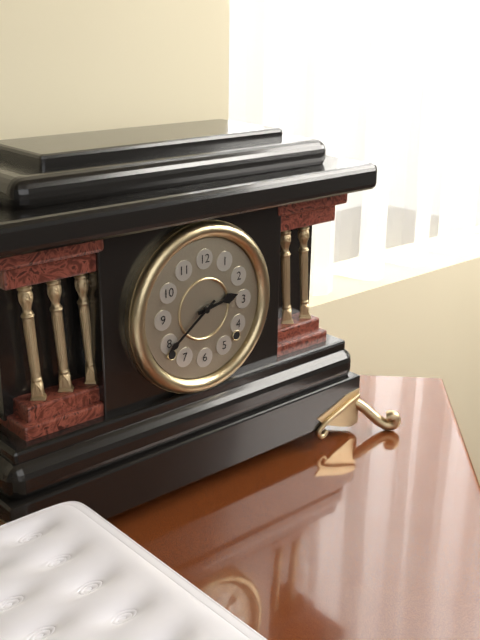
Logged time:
h=2 m=39
